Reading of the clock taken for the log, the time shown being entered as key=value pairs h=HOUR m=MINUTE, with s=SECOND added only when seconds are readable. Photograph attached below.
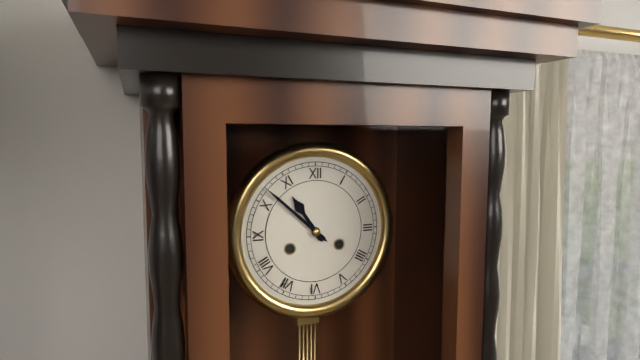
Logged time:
h=10 m=52
